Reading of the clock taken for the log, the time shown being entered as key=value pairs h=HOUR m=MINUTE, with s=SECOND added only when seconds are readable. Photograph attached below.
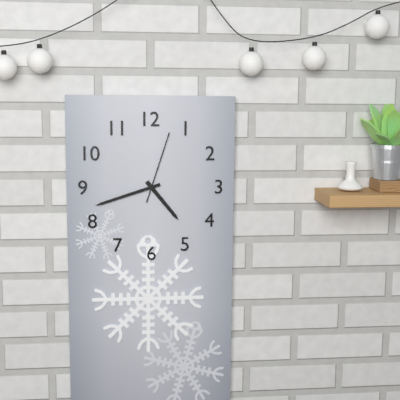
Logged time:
h=4 m=42 s=3
